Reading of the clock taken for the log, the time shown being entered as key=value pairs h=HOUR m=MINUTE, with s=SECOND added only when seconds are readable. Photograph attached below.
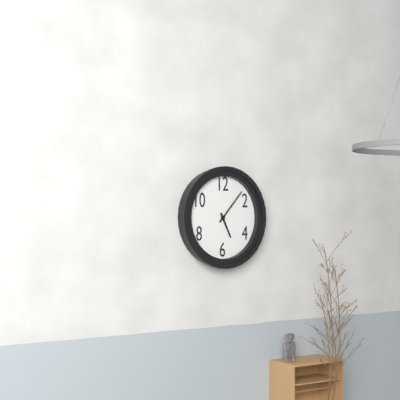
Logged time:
h=5 m=7
